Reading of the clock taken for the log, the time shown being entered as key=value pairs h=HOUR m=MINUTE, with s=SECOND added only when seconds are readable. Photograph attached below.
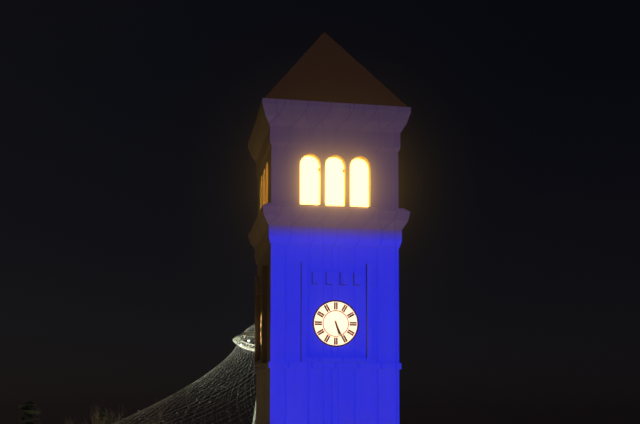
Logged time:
h=5 m=26
